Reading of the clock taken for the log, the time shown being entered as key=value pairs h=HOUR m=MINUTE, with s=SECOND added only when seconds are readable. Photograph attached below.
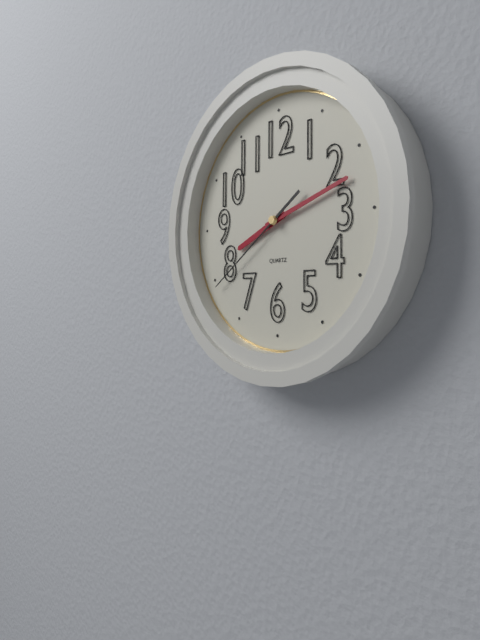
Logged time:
h=8 m=12 s=39
